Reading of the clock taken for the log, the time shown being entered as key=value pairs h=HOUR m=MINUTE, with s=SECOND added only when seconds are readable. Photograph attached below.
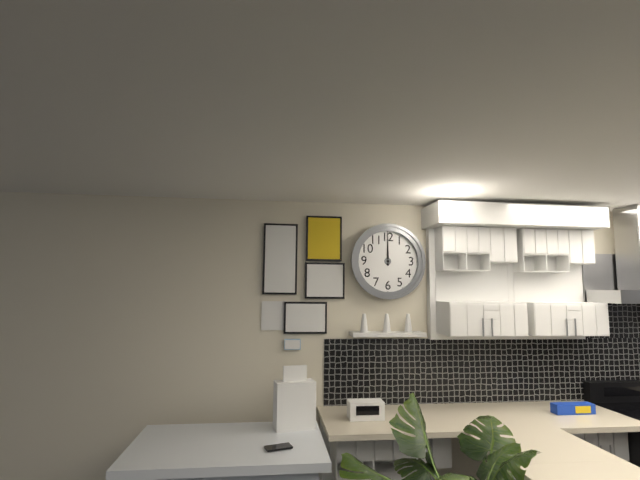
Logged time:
h=12 m=0
